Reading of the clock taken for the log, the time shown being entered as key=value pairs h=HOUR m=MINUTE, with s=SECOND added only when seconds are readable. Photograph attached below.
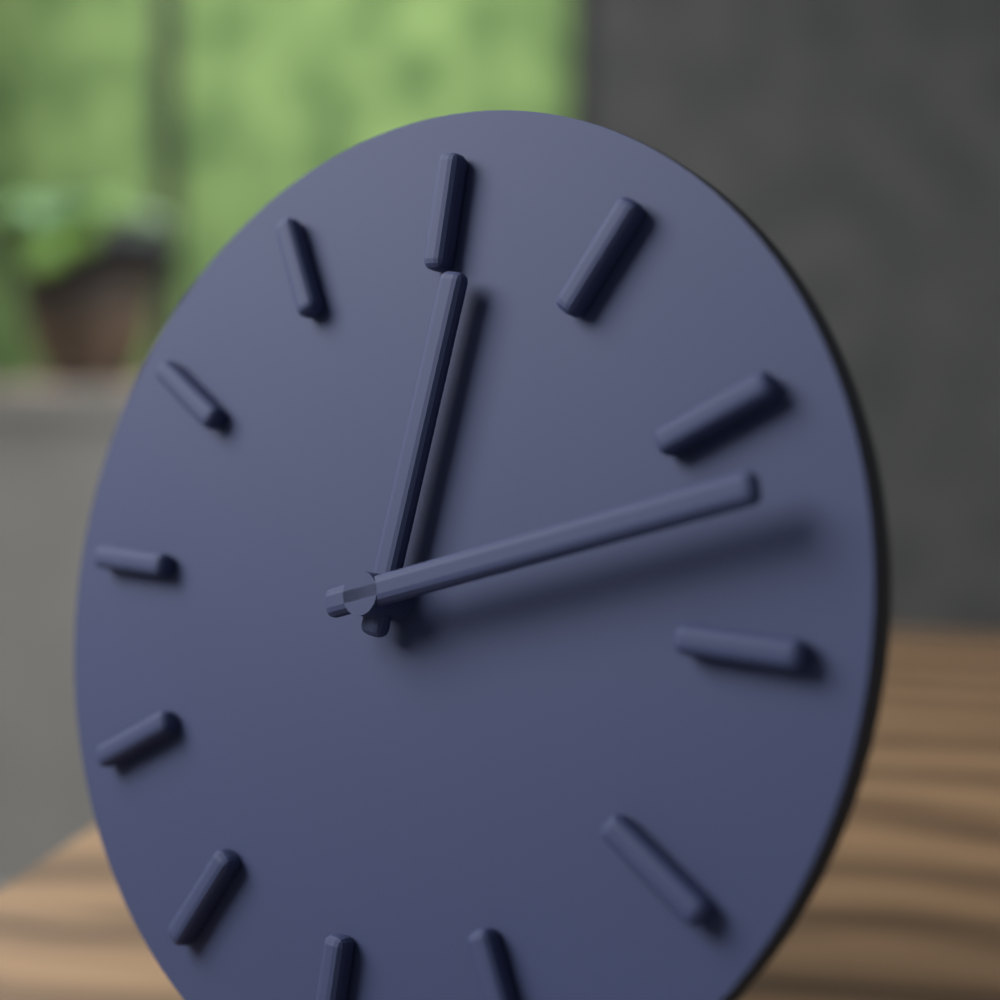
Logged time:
h=12 m=12
